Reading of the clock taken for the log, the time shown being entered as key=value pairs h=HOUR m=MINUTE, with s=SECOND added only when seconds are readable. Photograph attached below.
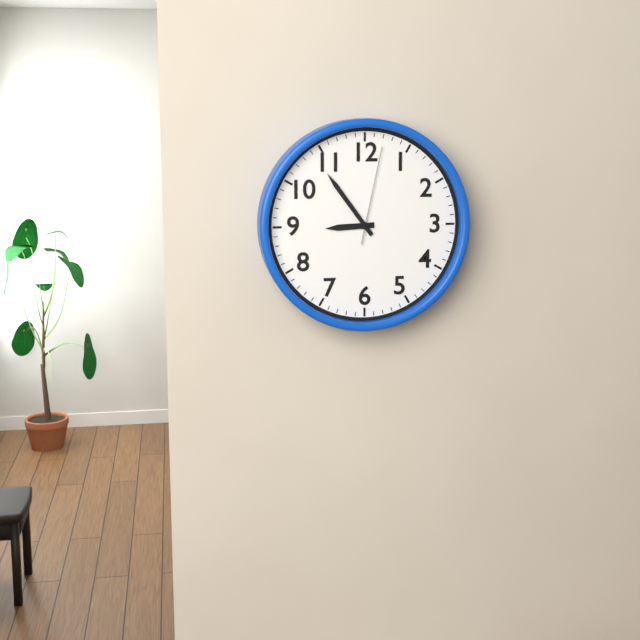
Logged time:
h=8 m=54 s=2
